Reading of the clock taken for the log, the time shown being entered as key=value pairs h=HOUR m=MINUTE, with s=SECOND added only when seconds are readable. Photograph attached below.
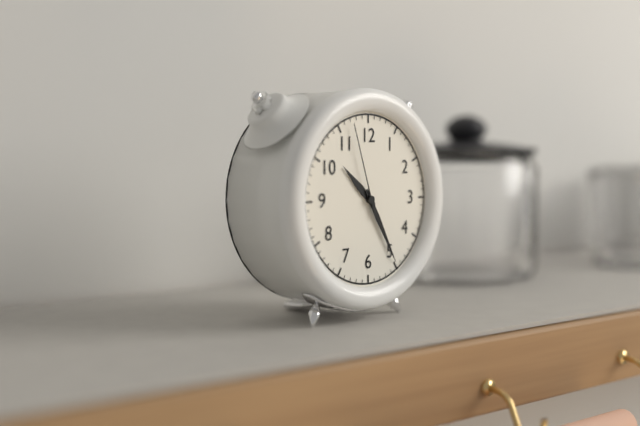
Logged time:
h=10 m=25 s=57
